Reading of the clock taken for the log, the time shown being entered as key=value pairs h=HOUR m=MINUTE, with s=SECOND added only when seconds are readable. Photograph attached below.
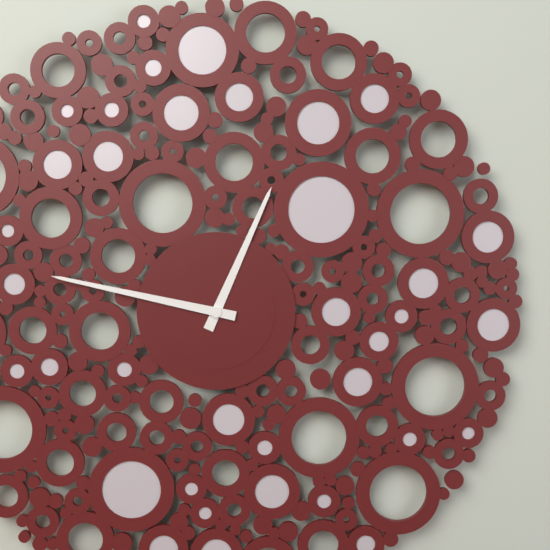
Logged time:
h=12 m=47
